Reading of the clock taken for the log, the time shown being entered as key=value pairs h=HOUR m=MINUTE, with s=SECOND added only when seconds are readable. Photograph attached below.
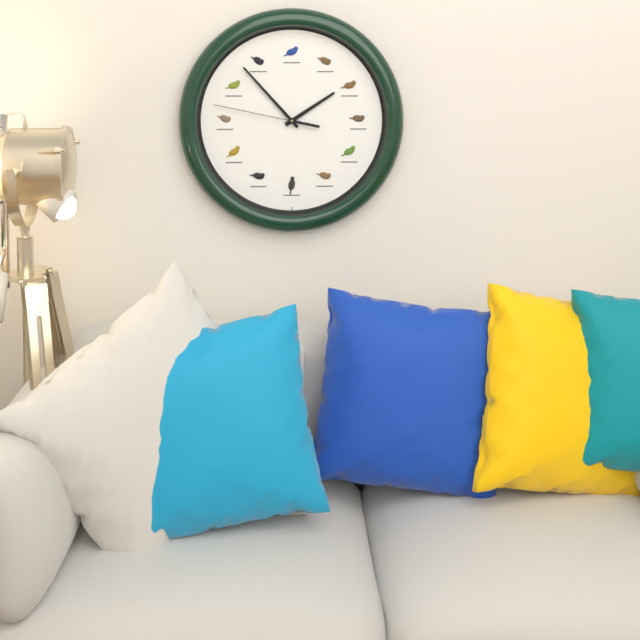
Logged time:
h=1 m=53 s=47
